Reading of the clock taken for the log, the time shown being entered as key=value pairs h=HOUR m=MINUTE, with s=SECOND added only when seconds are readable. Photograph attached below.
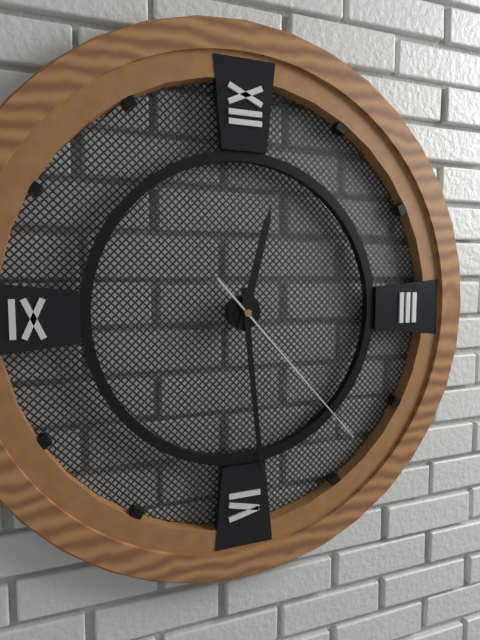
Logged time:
h=12 m=29 s=23
